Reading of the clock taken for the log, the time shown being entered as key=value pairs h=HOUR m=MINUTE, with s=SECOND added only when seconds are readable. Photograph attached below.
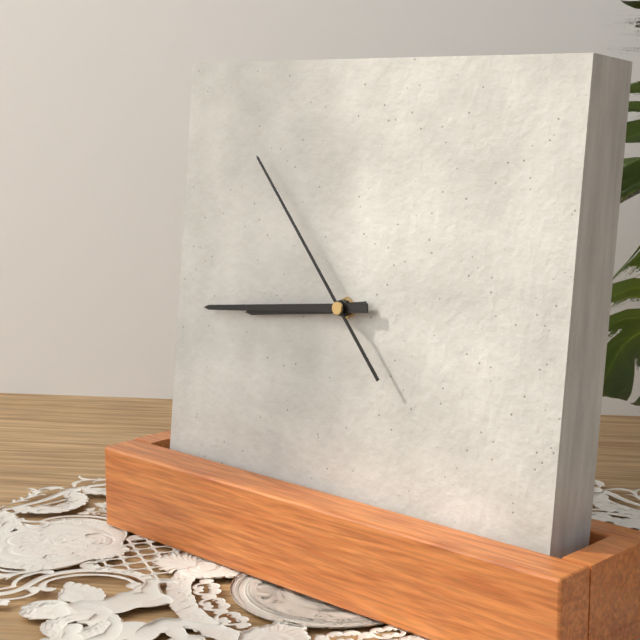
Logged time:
h=8 m=44 s=53
